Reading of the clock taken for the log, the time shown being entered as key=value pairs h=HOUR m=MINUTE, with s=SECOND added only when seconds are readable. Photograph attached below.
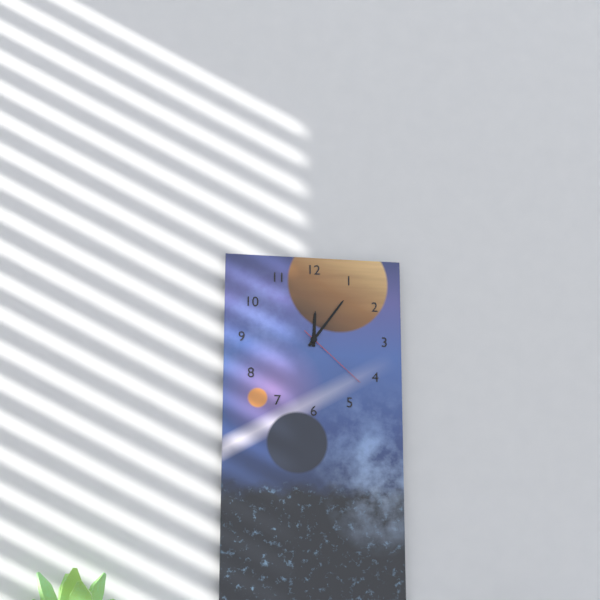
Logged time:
h=12 m=6 s=22
